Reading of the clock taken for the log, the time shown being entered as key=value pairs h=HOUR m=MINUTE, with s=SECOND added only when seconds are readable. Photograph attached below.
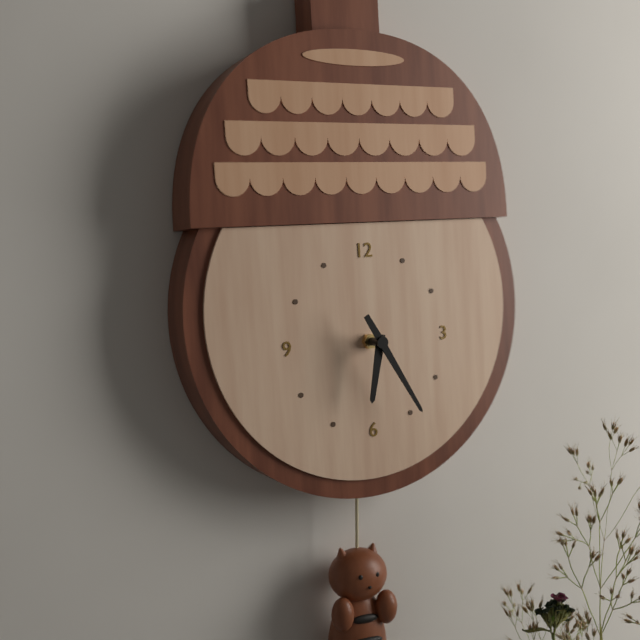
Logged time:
h=6 m=25
